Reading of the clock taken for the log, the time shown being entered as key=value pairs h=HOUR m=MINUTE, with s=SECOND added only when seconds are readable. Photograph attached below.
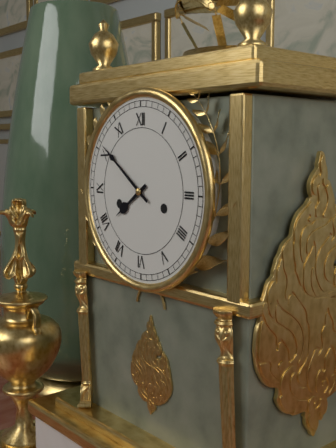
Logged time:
h=7 m=51
